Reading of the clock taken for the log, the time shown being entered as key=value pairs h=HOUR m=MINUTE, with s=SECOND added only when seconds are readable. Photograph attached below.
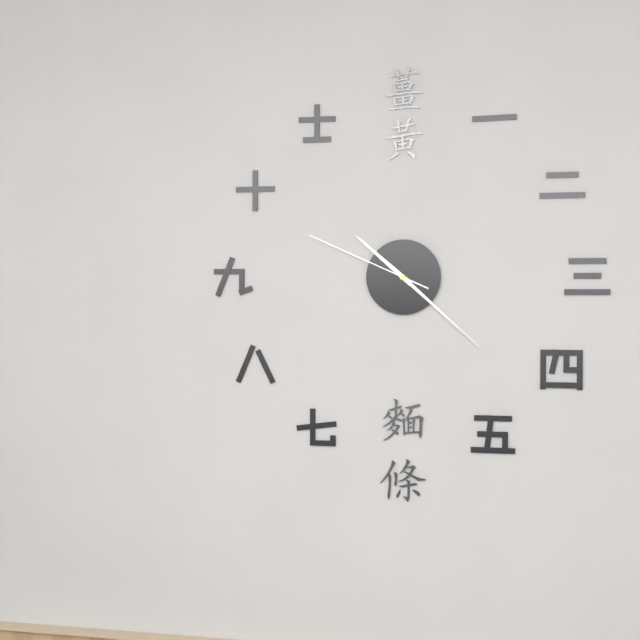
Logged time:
h=10 m=22 s=49
